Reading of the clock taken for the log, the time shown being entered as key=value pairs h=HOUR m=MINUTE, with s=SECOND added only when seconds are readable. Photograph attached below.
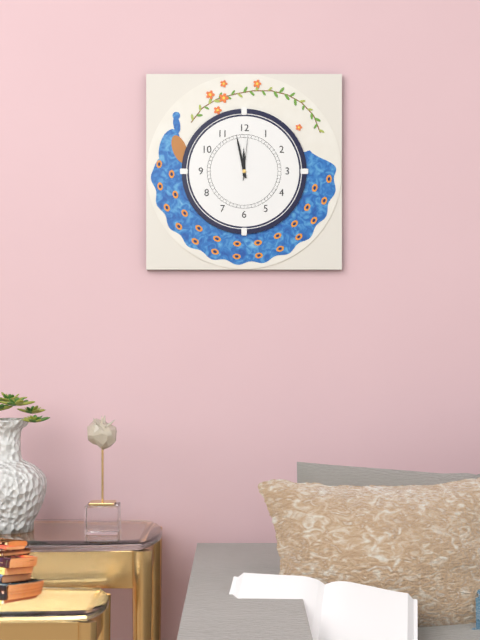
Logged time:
h=11 m=58
